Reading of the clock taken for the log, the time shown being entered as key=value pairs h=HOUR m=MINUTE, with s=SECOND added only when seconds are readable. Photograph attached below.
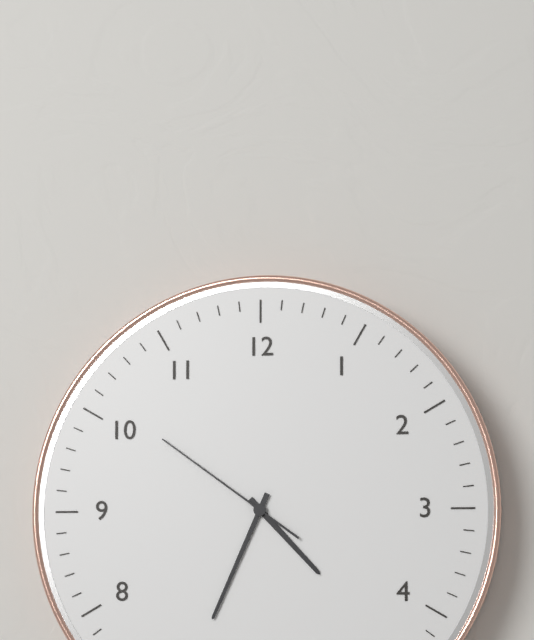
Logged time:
h=4 m=34 s=51
